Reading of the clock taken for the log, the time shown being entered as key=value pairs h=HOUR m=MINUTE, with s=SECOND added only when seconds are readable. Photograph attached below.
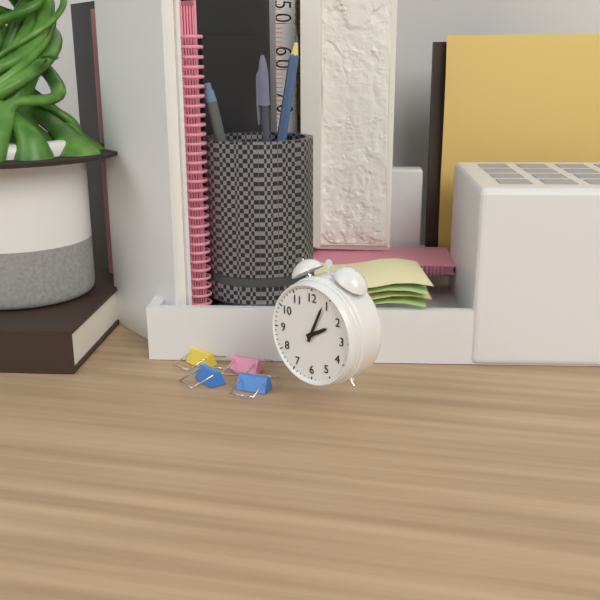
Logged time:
h=2 m=4
